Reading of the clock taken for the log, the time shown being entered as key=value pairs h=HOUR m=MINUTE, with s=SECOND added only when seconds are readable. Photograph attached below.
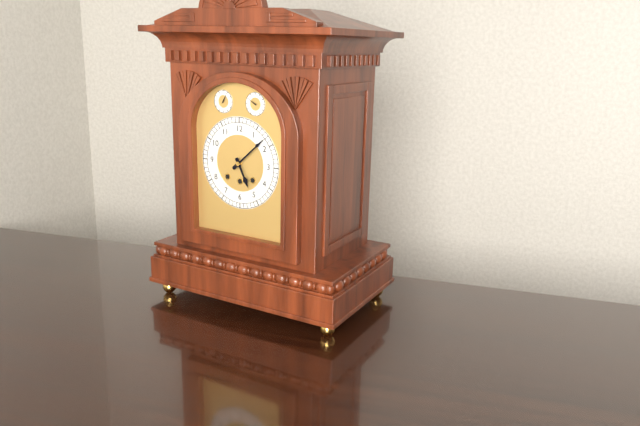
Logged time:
h=5 m=8
